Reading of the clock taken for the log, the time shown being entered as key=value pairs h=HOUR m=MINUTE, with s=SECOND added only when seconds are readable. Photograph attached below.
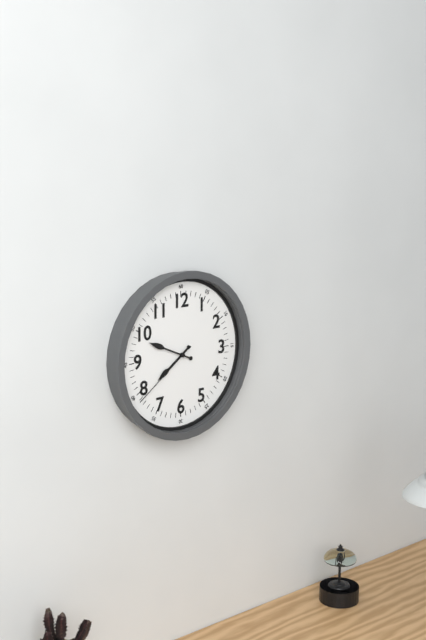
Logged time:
h=7 m=49 s=39
